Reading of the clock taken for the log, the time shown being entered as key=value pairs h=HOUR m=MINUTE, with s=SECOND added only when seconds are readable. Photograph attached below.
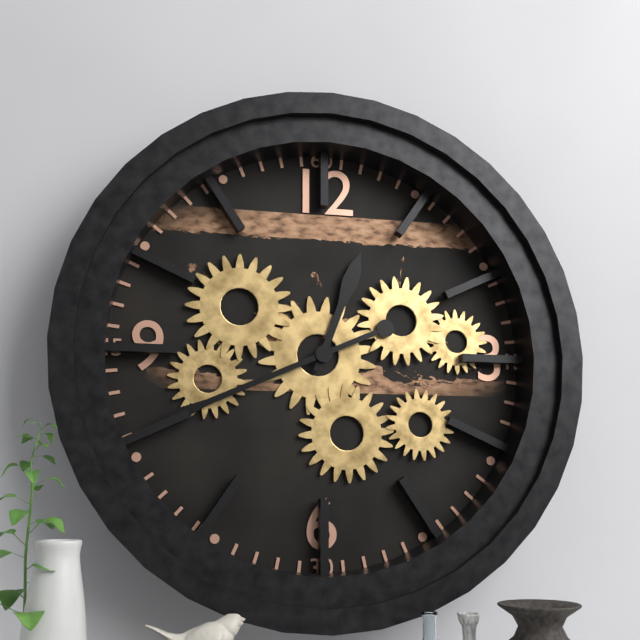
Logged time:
h=12 m=41
